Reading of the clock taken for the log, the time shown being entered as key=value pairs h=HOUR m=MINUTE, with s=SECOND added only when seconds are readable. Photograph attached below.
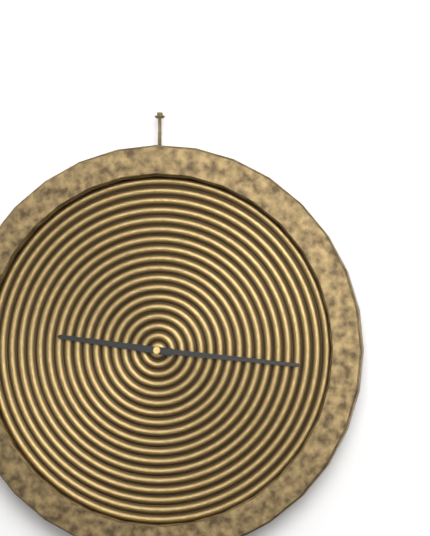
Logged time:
h=9 m=16
